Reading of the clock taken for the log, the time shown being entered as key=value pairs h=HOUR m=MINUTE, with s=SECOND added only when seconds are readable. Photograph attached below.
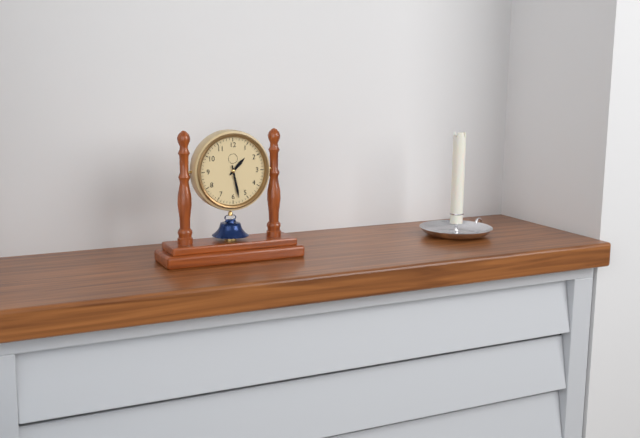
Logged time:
h=1 m=28
